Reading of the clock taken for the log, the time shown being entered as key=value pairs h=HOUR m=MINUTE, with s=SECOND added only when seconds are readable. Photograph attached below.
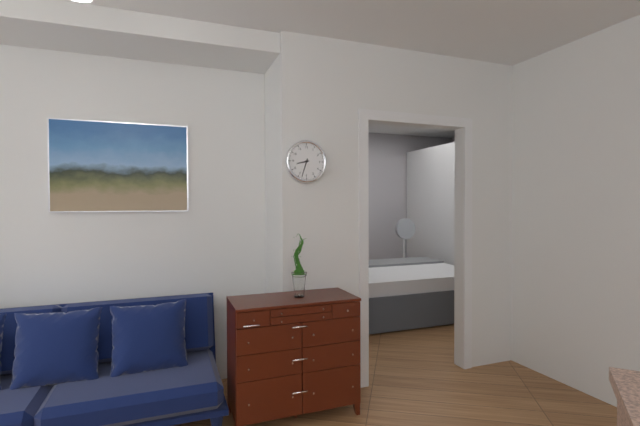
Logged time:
h=8 m=33
